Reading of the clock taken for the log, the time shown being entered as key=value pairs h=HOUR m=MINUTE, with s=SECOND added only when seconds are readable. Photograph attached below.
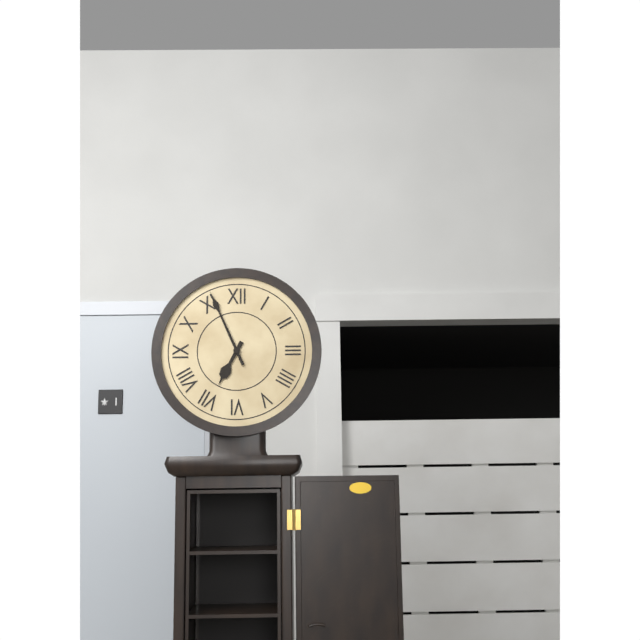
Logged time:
h=6 m=56
